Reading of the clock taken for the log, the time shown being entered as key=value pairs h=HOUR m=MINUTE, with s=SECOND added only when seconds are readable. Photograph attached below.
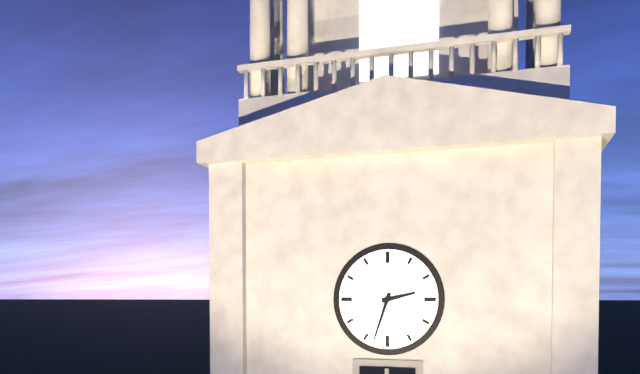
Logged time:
h=2 m=33
